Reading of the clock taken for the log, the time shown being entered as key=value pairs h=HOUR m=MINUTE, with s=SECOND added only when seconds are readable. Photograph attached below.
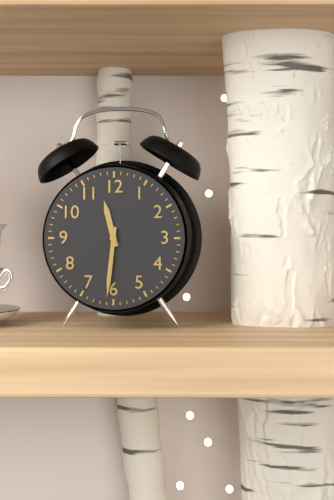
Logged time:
h=11 m=31
